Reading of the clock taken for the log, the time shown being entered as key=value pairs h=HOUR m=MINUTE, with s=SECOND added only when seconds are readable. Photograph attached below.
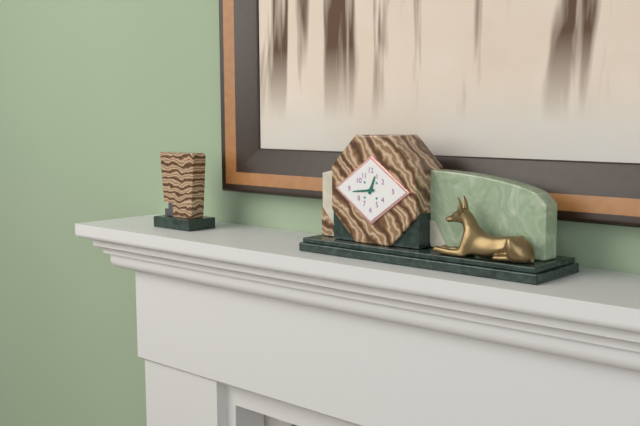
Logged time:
h=12 m=44
